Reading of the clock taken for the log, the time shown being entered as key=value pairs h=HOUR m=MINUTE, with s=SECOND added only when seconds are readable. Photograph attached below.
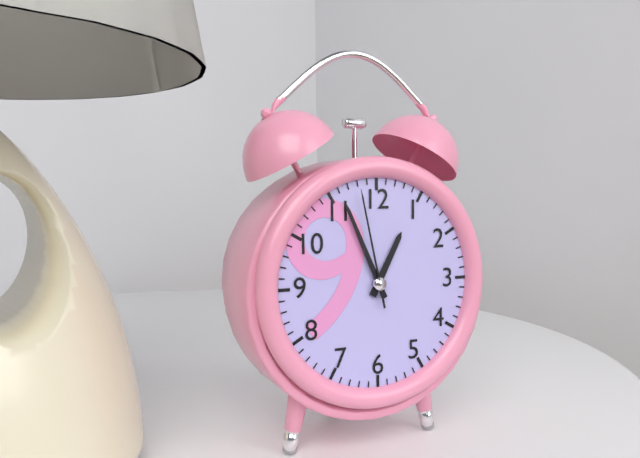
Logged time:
h=12 m=56 s=58
